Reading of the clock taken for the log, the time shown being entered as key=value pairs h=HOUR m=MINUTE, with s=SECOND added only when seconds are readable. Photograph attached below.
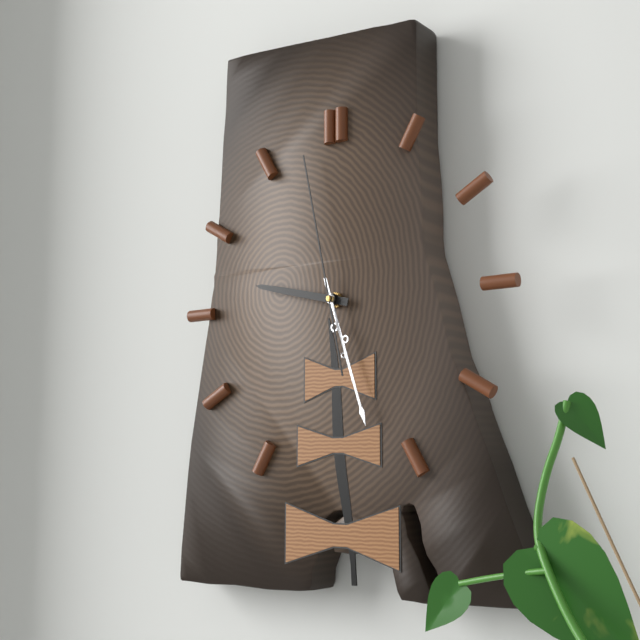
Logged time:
h=9 m=27 s=58
